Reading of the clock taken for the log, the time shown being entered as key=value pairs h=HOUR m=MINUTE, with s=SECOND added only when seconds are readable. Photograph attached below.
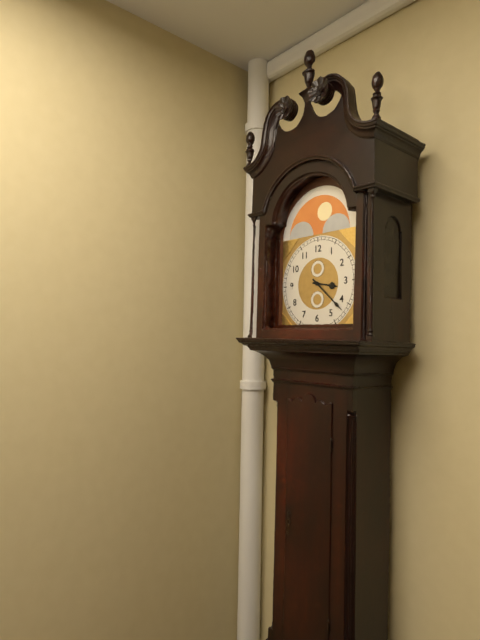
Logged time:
h=3 m=22
